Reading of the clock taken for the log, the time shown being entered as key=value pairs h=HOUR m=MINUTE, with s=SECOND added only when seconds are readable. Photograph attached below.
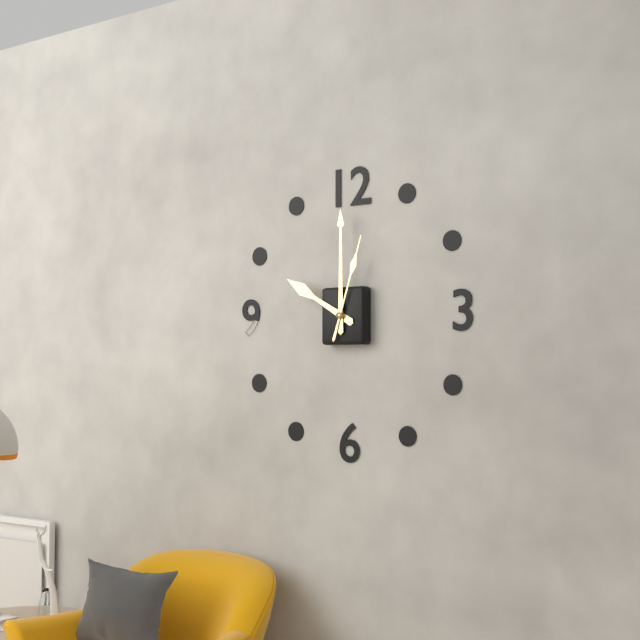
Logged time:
h=10 m=0 s=3
